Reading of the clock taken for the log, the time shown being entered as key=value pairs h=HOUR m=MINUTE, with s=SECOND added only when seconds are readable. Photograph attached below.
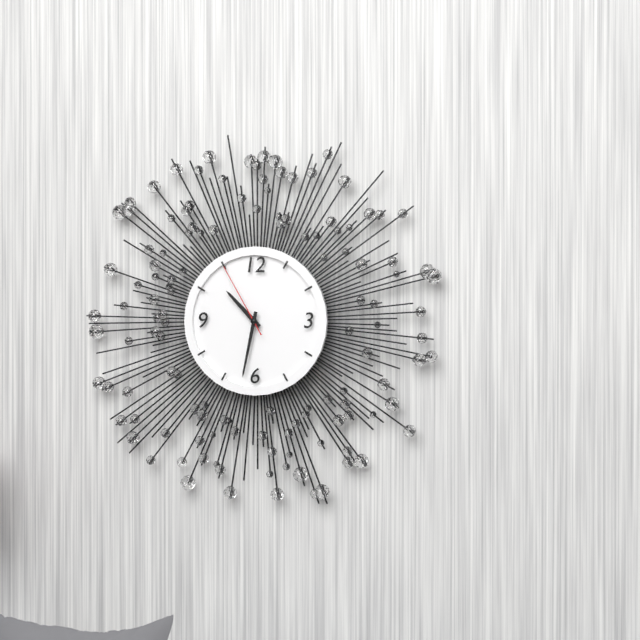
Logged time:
h=10 m=32 s=55
